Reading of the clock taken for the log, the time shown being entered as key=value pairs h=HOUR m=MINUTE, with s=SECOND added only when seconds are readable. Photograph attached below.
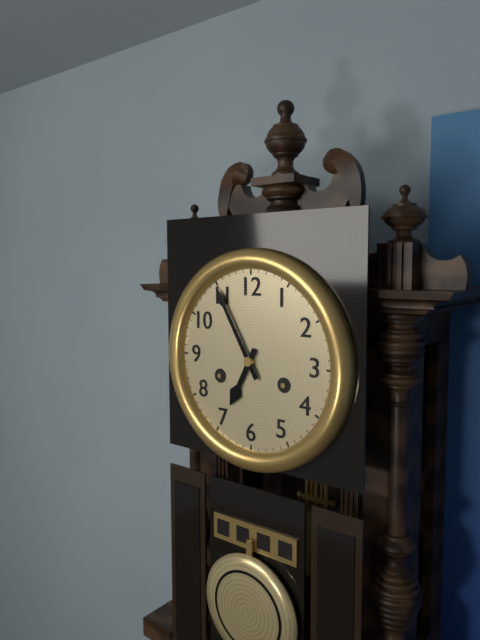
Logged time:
h=6 m=55
